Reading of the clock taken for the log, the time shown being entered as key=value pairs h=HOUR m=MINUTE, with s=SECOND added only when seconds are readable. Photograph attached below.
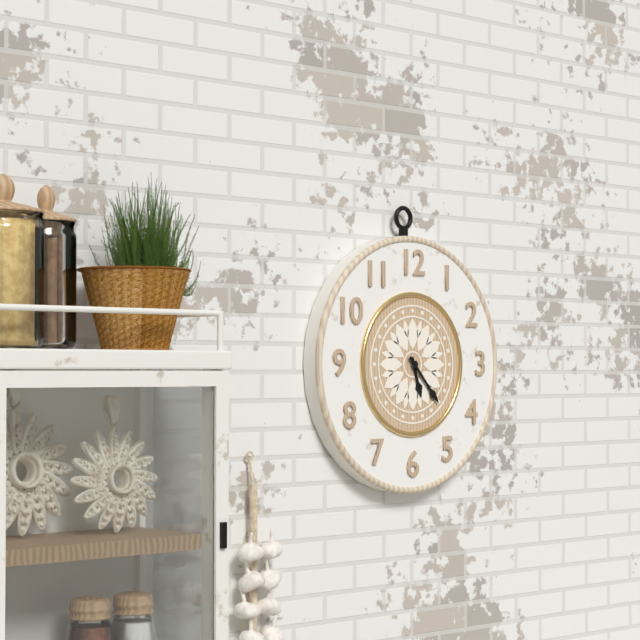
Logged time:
h=5 m=23
